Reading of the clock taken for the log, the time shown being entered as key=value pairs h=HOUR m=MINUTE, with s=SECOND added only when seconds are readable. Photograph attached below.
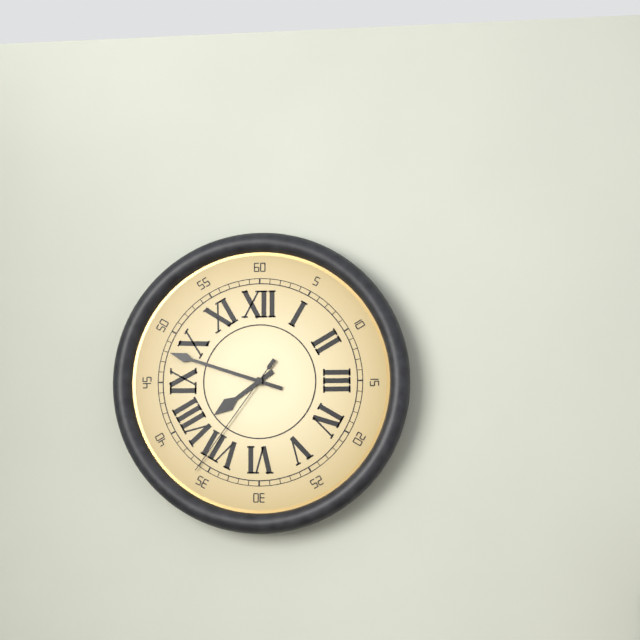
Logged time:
h=7 m=48 s=36
